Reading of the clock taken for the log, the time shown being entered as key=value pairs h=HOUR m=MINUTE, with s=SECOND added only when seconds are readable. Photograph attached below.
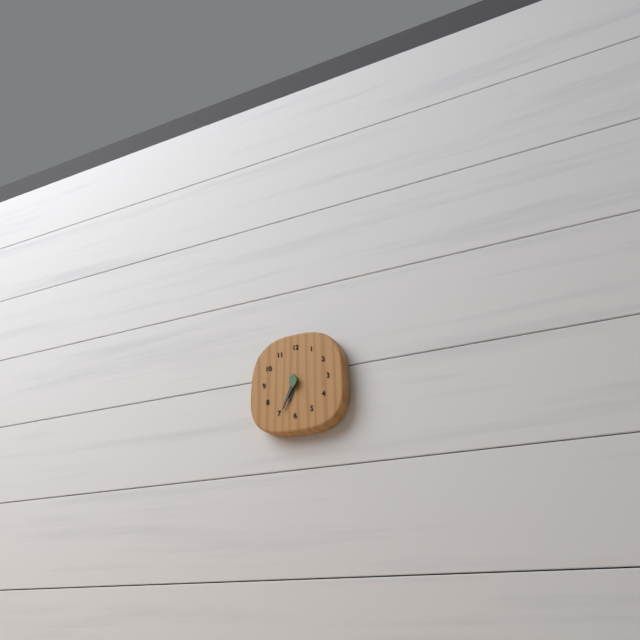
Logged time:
h=6 m=34
